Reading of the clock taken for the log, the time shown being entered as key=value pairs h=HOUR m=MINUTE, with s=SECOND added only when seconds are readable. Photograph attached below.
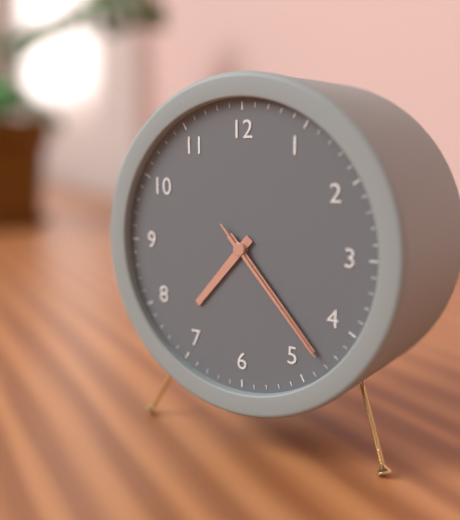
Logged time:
h=7 m=23 s=23
